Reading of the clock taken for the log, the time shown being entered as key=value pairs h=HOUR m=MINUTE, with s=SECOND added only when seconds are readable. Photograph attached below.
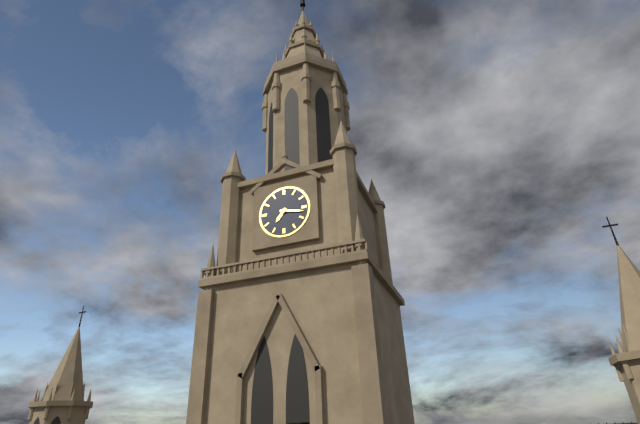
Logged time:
h=7 m=17
